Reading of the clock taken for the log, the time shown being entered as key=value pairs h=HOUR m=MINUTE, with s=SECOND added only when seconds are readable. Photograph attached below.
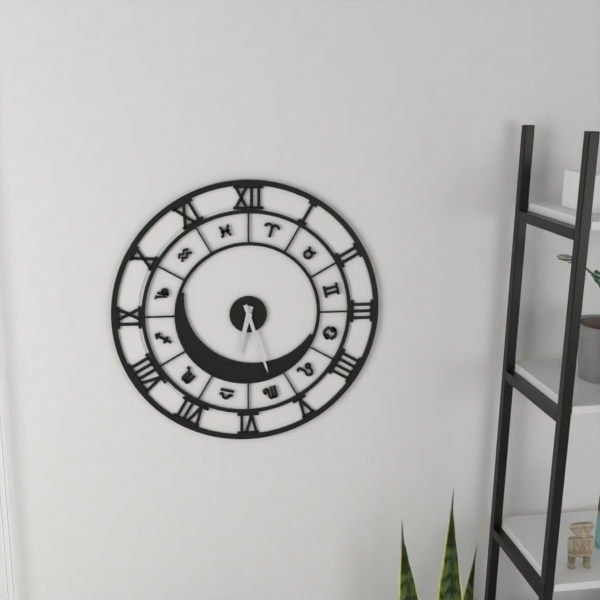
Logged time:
h=6 m=27
